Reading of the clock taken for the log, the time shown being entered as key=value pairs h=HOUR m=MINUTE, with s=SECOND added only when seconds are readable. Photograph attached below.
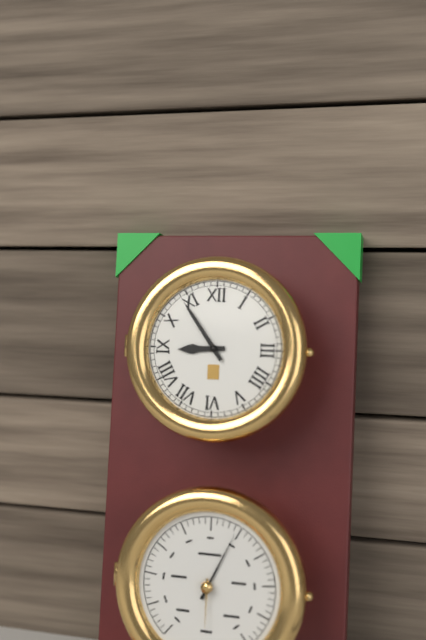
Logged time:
h=8 m=54
